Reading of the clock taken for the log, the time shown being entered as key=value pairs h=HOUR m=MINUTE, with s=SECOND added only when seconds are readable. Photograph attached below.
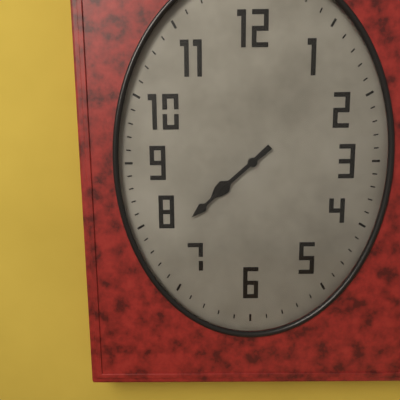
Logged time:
h=7 m=38
